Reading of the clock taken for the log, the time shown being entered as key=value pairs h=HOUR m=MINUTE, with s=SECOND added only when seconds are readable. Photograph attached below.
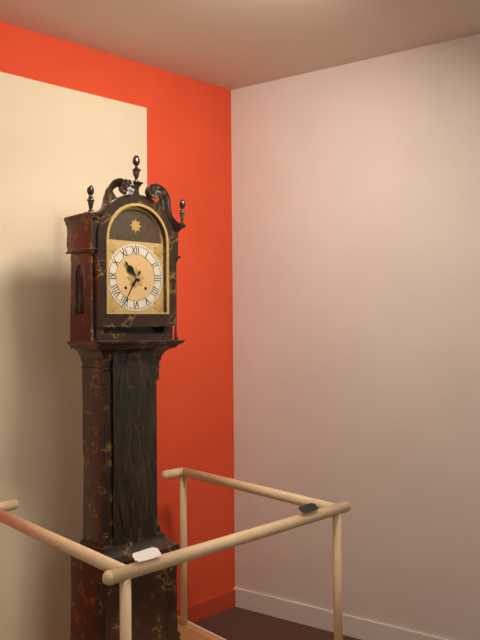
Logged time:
h=10 m=35
